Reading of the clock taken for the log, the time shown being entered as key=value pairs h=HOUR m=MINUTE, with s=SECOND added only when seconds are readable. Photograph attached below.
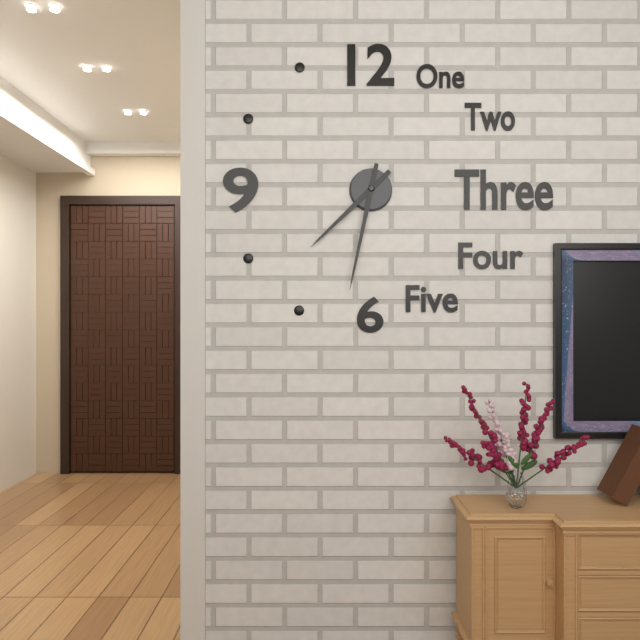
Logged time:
h=7 m=32
